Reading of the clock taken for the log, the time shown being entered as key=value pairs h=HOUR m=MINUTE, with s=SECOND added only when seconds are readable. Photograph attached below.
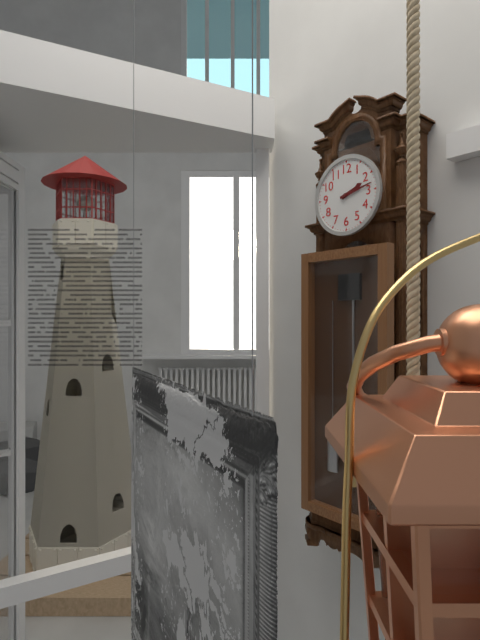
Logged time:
h=2 m=13
